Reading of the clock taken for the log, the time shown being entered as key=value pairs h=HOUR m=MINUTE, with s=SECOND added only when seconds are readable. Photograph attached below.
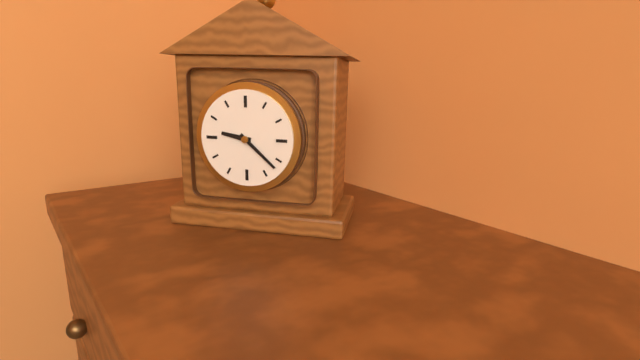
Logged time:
h=9 m=22
